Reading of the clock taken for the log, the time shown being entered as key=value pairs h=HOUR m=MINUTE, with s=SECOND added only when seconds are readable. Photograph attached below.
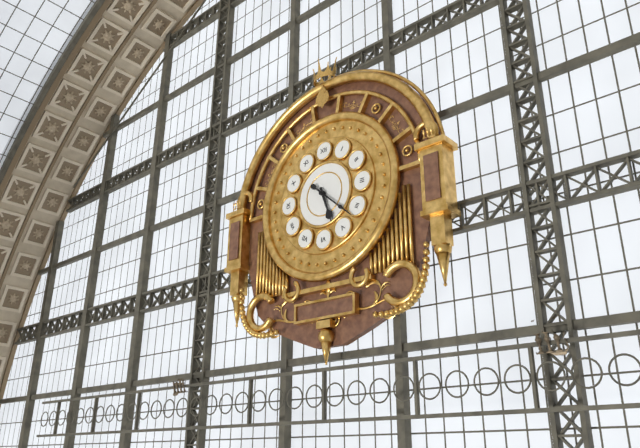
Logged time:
h=5 m=22
